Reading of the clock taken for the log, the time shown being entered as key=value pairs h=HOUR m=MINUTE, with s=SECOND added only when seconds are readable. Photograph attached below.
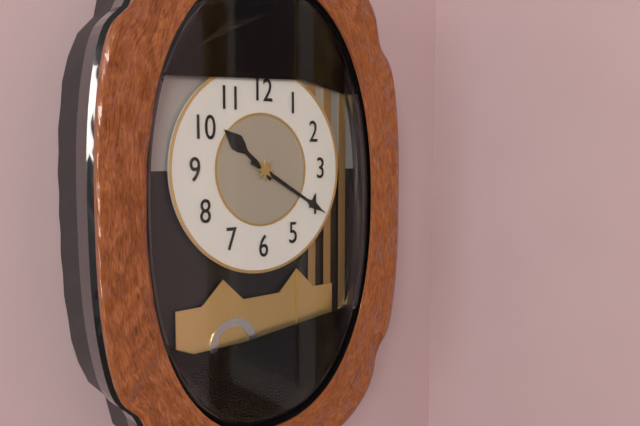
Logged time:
h=10 m=20
